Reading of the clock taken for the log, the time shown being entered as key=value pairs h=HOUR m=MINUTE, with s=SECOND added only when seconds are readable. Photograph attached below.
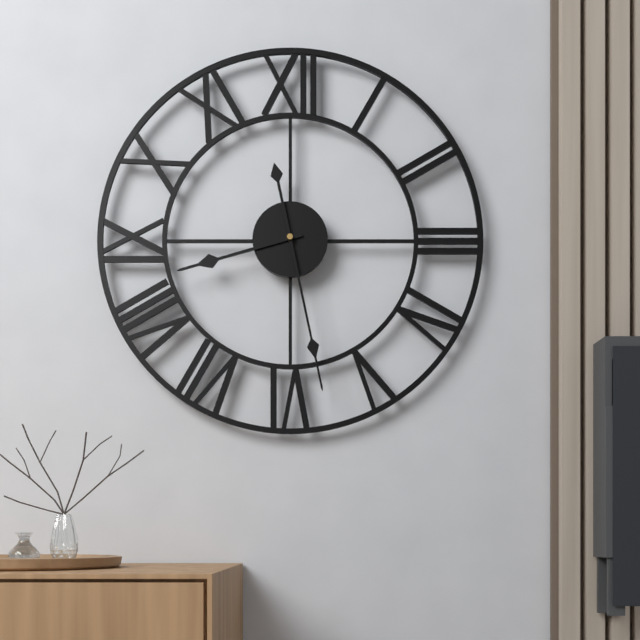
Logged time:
h=8 m=28
